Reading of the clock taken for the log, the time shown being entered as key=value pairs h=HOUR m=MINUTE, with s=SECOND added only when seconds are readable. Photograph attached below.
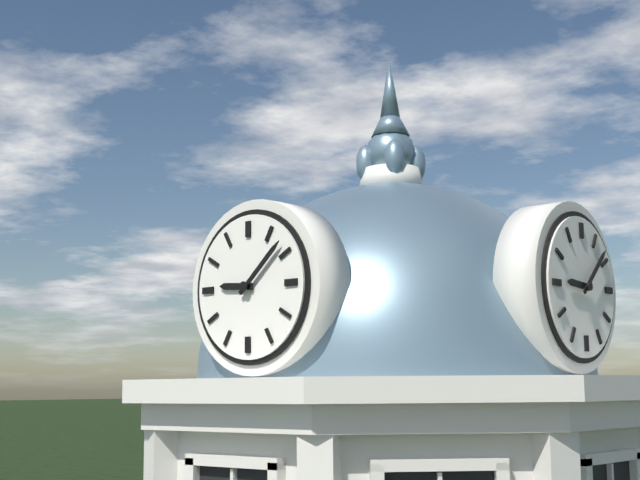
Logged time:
h=9 m=8
